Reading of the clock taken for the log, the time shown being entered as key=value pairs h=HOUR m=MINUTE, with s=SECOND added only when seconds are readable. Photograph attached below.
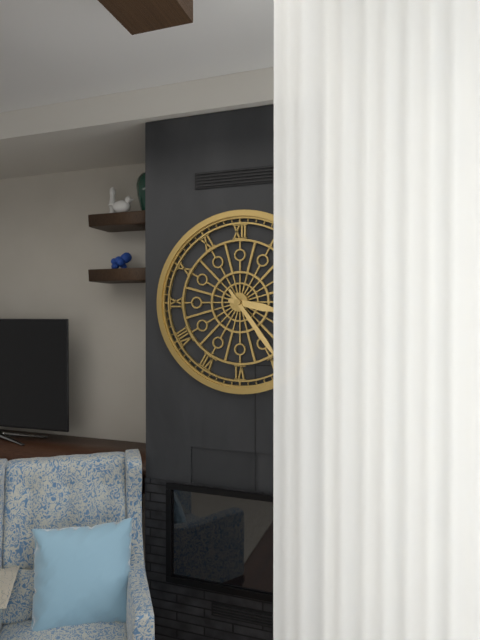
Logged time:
h=3 m=24
